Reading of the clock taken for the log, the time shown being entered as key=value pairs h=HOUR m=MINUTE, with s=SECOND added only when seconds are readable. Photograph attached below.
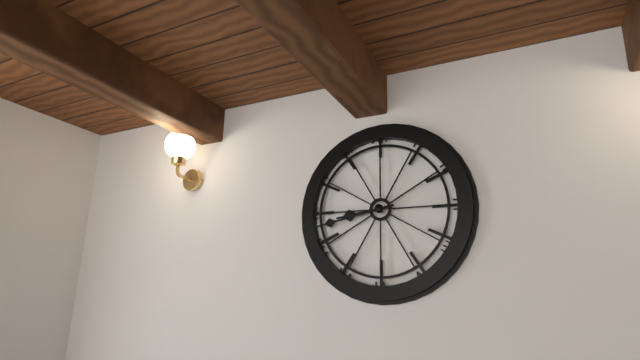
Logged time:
h=8 m=43
